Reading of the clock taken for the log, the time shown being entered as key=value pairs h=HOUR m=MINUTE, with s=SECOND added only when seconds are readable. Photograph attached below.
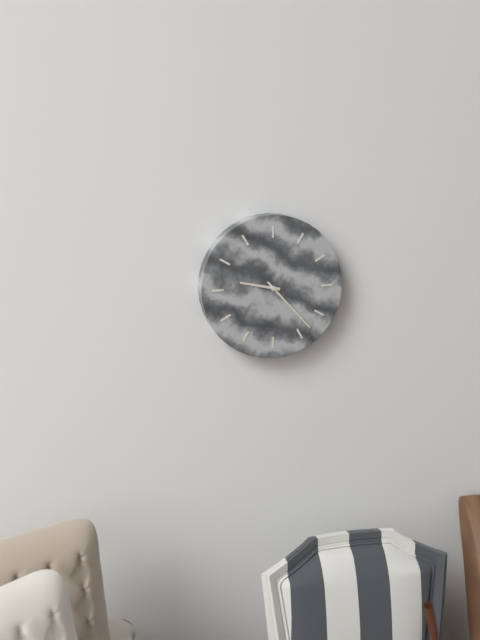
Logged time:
h=9 m=23
